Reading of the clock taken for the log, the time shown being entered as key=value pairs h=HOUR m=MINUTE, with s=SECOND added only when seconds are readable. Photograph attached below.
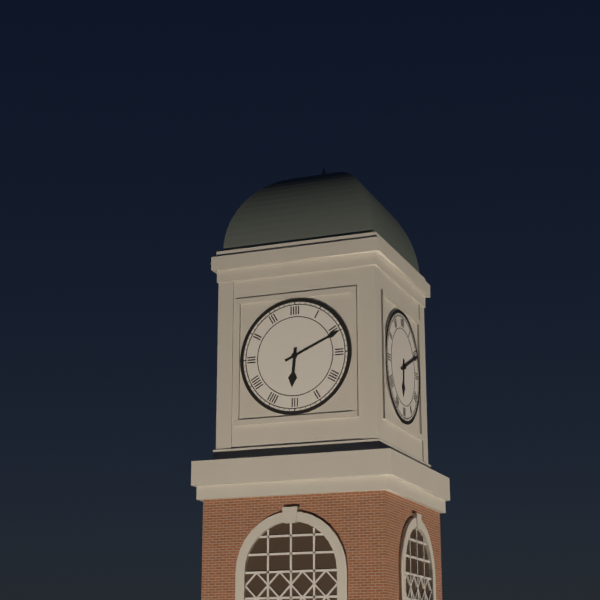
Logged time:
h=6 m=11
